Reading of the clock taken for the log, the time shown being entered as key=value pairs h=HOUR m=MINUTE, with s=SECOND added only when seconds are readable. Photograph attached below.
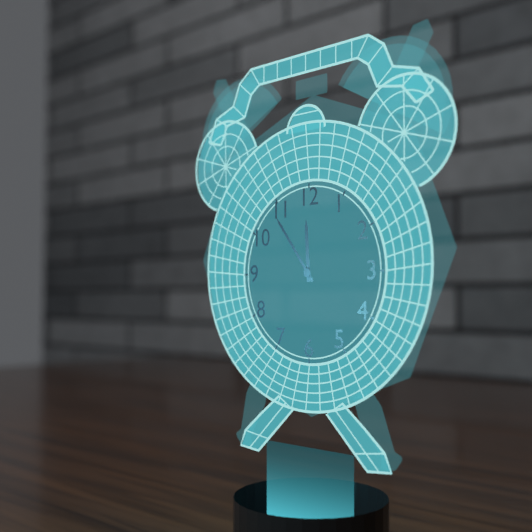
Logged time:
h=11 m=54
